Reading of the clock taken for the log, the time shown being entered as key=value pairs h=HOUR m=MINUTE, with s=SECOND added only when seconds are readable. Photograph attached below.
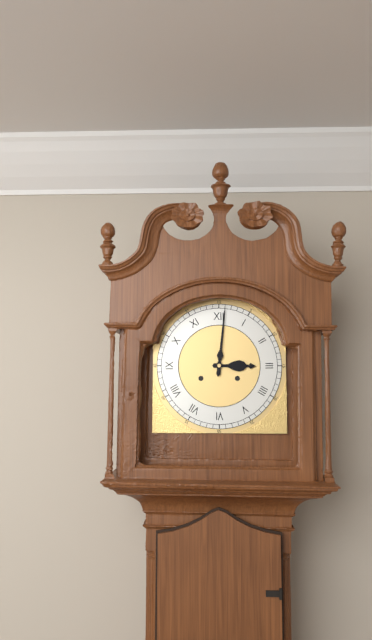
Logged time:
h=3 m=1
